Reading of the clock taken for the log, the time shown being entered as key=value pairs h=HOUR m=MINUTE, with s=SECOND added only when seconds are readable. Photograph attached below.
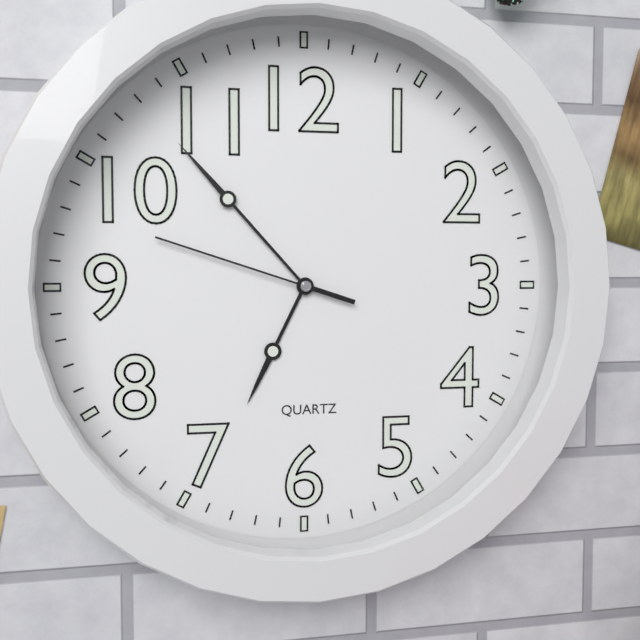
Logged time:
h=6 m=53 s=48
